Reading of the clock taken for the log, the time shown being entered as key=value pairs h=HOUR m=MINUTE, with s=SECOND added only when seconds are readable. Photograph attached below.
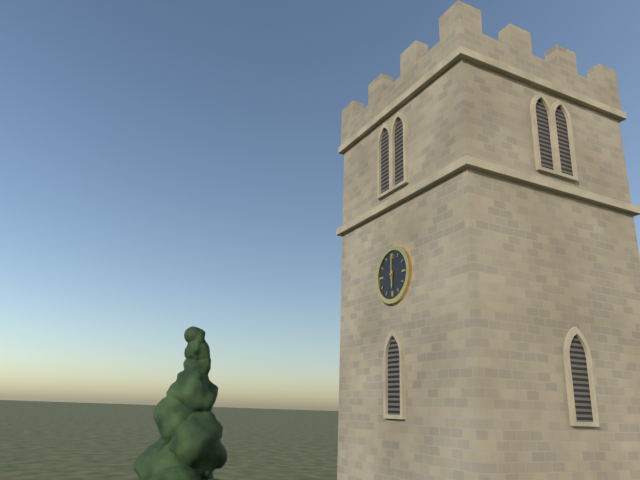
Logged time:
h=6 m=0
